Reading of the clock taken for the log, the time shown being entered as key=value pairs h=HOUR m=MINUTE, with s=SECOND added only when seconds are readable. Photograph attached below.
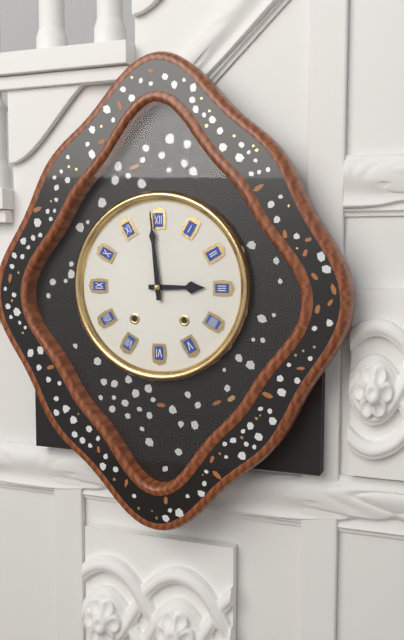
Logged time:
h=2 m=59
